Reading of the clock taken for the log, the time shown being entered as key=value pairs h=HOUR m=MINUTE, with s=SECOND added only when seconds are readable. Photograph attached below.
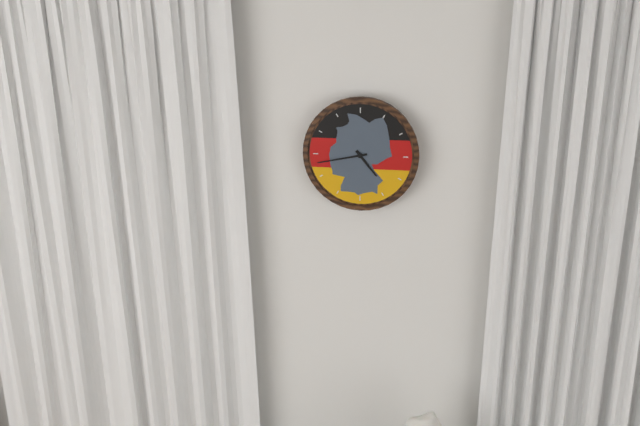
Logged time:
h=4 m=43
